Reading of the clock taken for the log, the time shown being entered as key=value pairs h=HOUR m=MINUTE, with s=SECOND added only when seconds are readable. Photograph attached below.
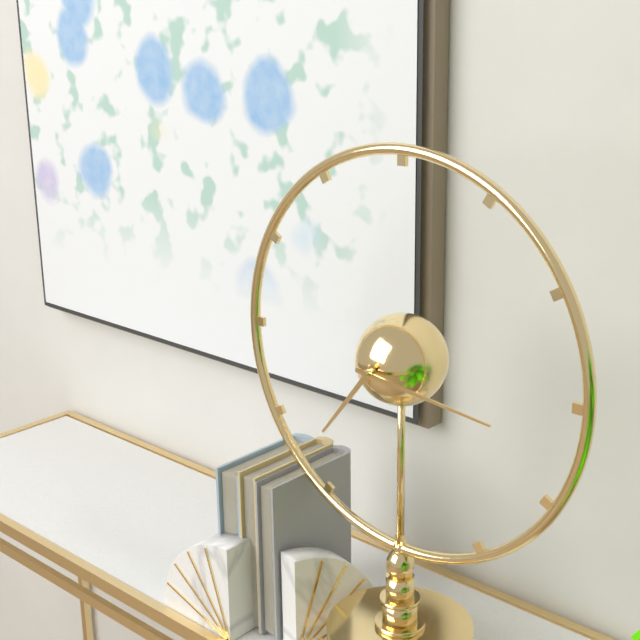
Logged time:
h=7 m=16
